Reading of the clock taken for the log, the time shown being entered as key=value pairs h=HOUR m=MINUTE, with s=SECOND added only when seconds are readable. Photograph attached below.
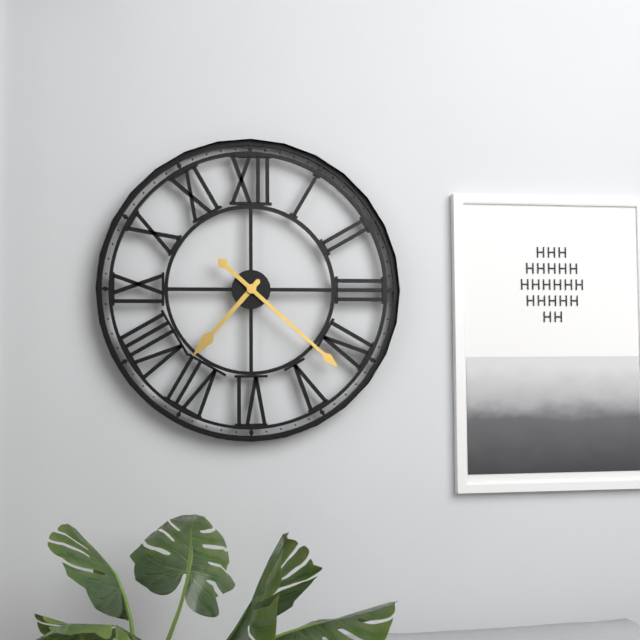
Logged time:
h=7 m=22
